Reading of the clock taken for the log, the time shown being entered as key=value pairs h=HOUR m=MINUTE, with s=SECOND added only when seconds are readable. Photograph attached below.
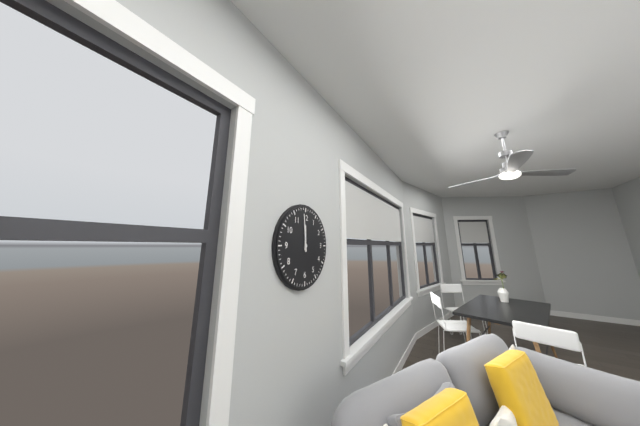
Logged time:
h=11 m=59
